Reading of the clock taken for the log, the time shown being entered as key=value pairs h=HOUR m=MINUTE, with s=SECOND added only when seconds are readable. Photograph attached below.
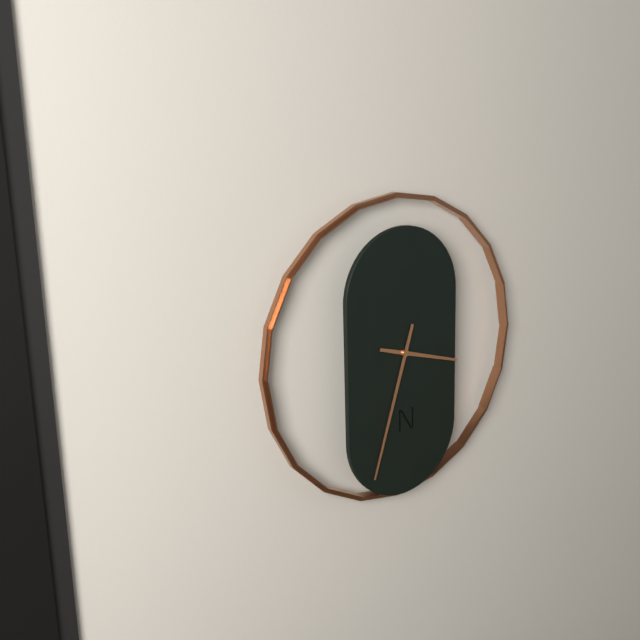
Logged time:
h=3 m=33
